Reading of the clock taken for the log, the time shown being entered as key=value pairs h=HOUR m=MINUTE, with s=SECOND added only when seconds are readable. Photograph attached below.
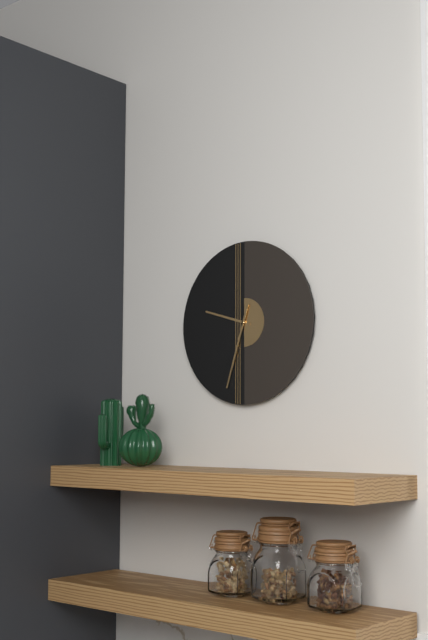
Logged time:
h=9 m=33
